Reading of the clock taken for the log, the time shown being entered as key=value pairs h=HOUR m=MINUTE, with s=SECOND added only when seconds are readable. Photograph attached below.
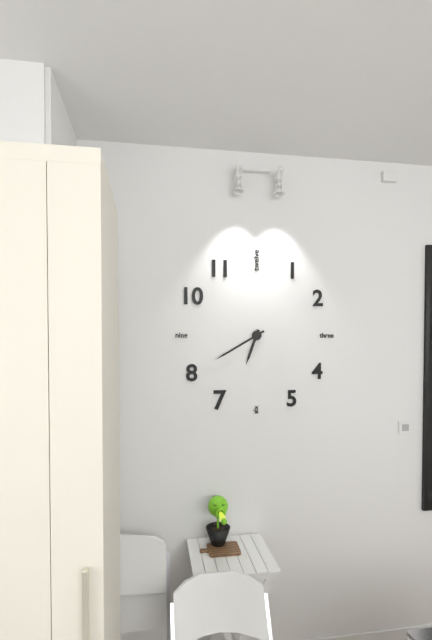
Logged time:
h=6 m=40
